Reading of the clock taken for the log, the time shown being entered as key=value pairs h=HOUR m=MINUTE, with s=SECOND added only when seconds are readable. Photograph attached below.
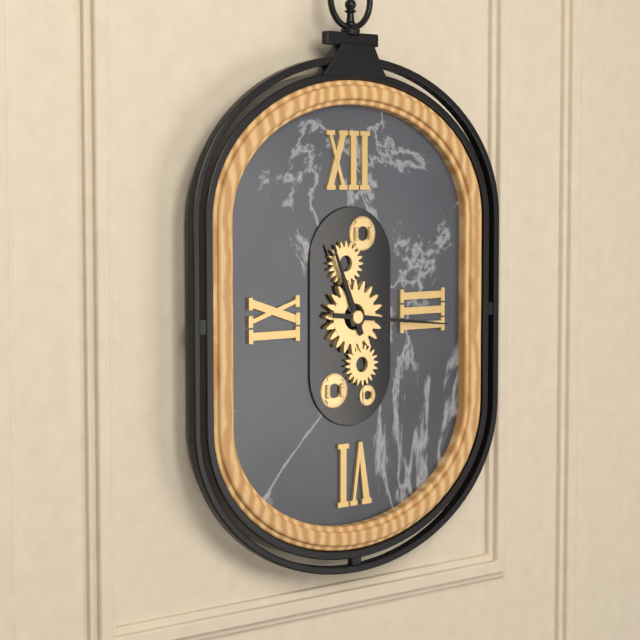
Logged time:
h=11 m=16
